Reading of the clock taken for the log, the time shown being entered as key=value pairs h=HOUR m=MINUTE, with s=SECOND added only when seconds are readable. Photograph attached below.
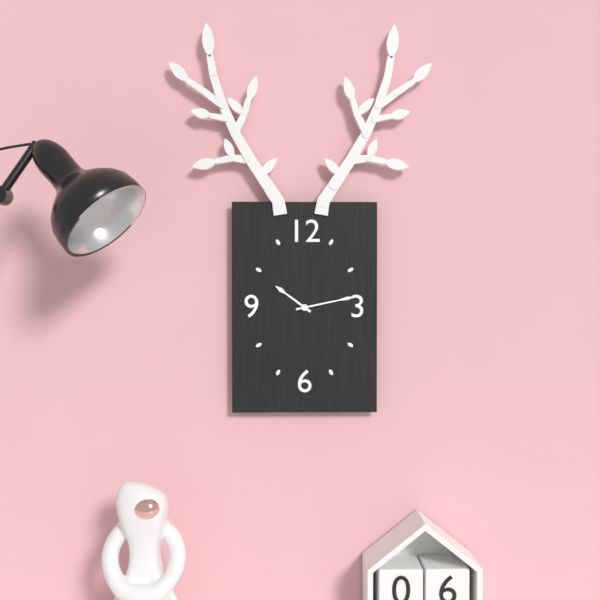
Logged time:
h=10 m=13
